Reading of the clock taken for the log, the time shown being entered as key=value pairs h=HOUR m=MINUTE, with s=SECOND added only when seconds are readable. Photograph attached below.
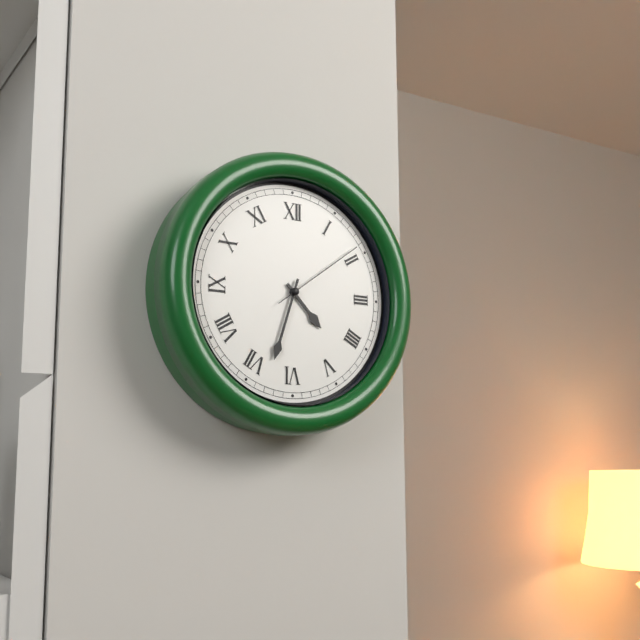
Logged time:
h=4 m=33 s=9
